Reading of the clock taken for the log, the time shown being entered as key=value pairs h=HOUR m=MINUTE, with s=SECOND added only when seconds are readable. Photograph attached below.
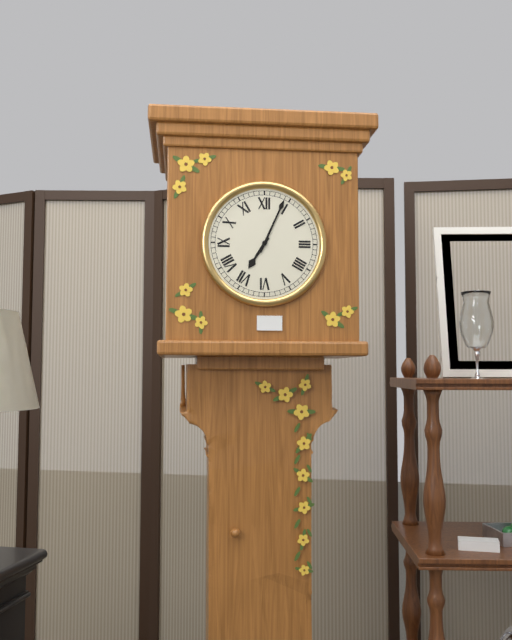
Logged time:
h=7 m=4
